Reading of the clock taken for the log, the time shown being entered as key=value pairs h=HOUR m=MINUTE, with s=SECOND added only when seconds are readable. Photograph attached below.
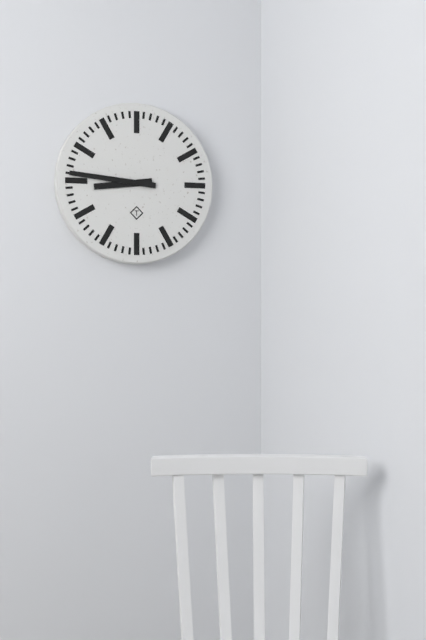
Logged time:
h=8 m=46
